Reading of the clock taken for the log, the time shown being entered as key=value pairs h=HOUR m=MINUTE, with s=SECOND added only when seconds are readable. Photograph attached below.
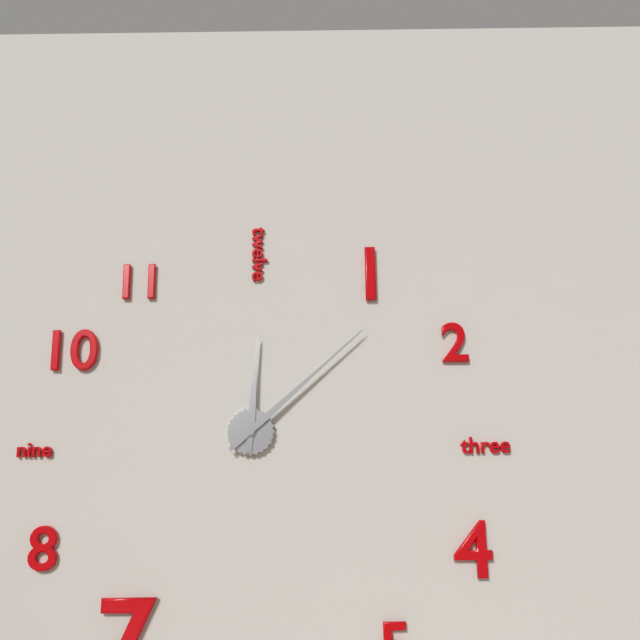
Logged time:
h=12 m=8
